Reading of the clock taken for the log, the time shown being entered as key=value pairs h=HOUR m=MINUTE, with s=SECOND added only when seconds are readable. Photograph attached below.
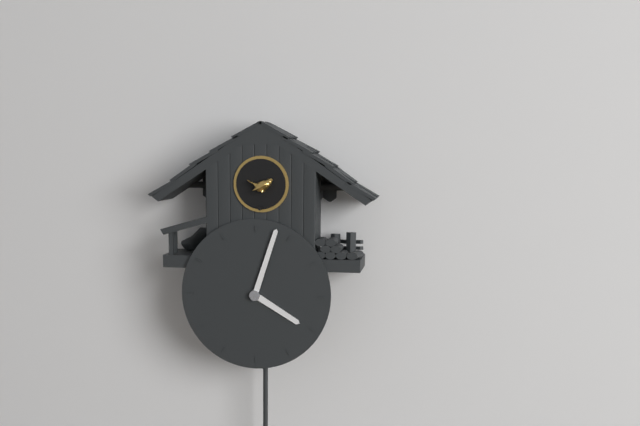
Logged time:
h=4 m=3
